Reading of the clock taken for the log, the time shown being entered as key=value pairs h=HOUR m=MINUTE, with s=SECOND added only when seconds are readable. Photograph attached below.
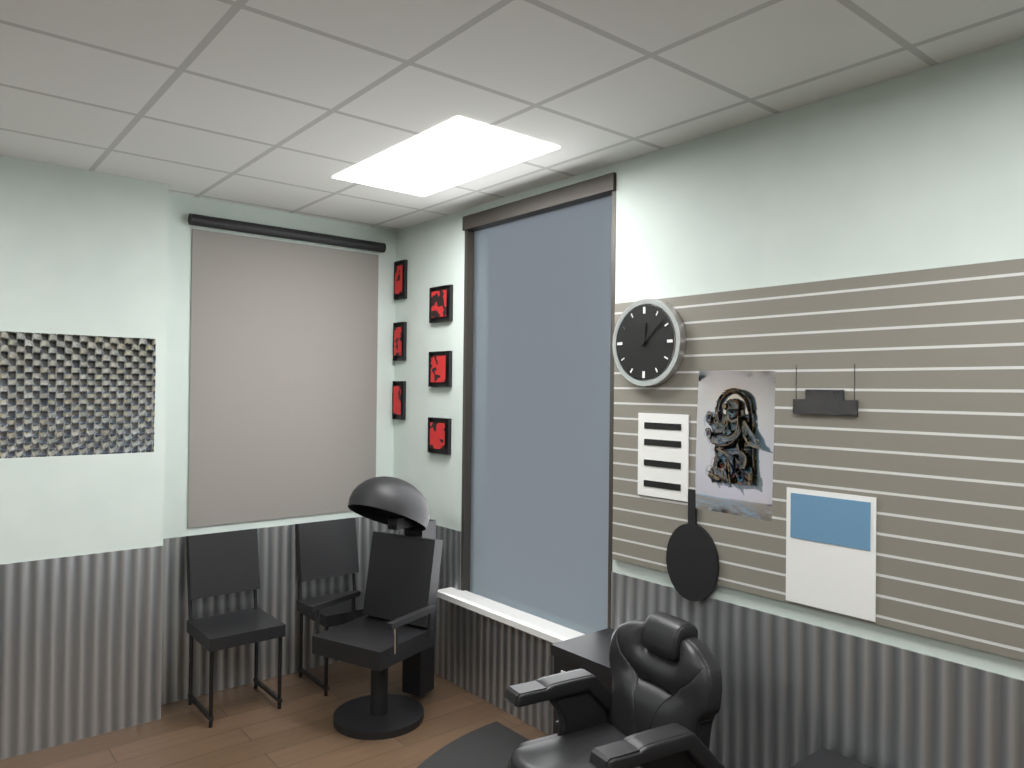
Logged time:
h=12 m=8
